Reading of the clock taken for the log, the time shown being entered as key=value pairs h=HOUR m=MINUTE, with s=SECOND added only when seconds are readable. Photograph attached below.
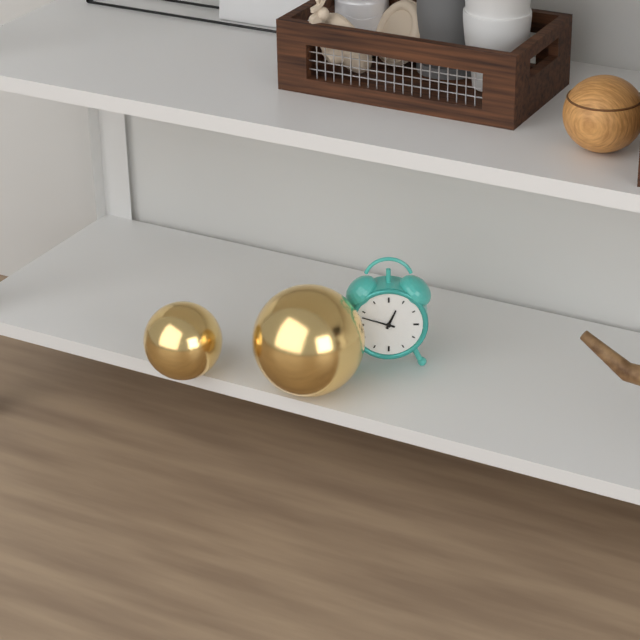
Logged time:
h=12 m=48
